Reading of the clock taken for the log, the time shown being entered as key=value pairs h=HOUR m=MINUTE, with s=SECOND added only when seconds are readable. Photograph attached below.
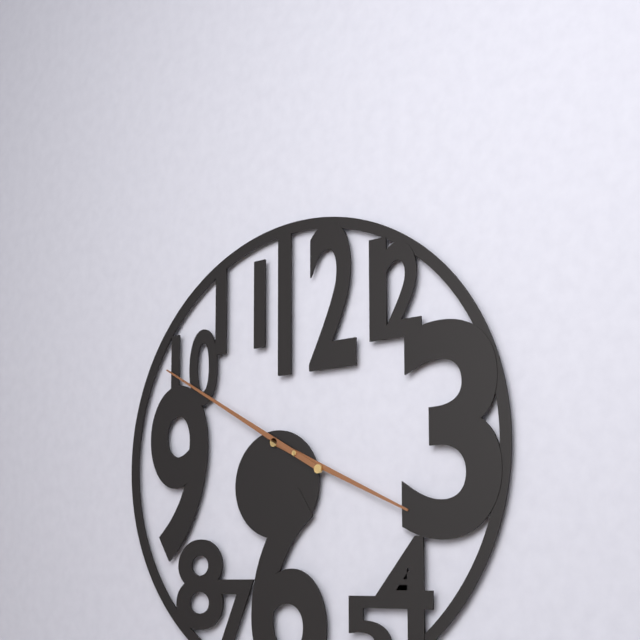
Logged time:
h=3 m=50
